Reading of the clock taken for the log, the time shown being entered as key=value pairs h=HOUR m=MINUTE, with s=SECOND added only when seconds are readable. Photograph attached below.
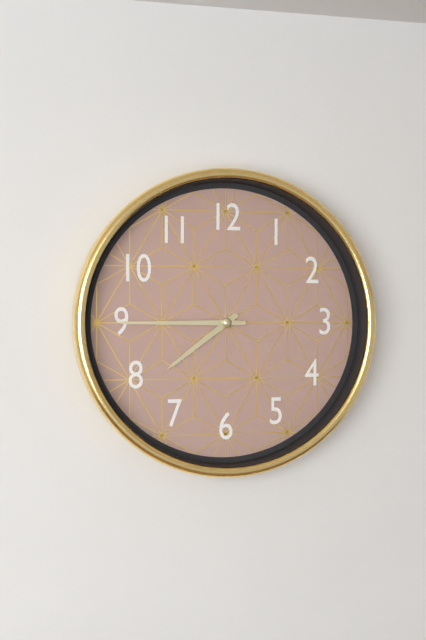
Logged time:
h=7 m=45
